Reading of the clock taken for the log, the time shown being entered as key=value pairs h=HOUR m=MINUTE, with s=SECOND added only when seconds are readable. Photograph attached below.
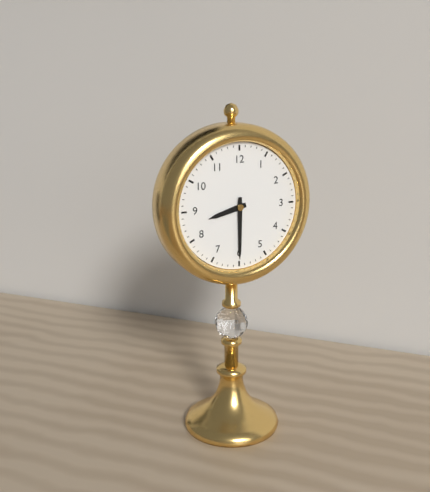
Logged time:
h=8 m=30
